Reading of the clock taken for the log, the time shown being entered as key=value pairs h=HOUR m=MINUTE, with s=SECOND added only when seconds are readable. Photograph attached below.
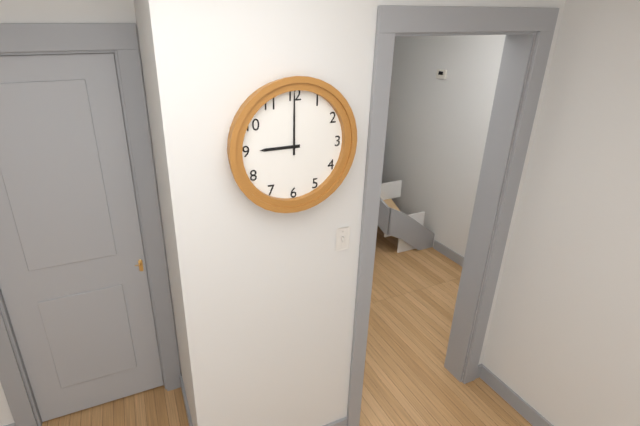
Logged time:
h=9 m=0
